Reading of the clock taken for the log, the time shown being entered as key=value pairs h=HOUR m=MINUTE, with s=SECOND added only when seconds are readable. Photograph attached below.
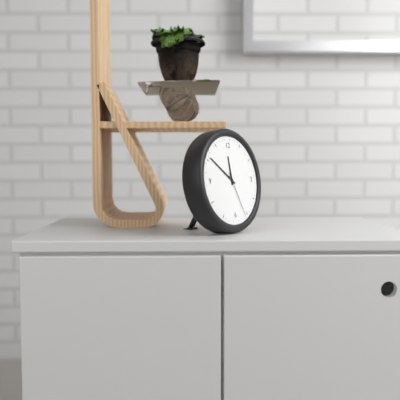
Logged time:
h=11 m=51
